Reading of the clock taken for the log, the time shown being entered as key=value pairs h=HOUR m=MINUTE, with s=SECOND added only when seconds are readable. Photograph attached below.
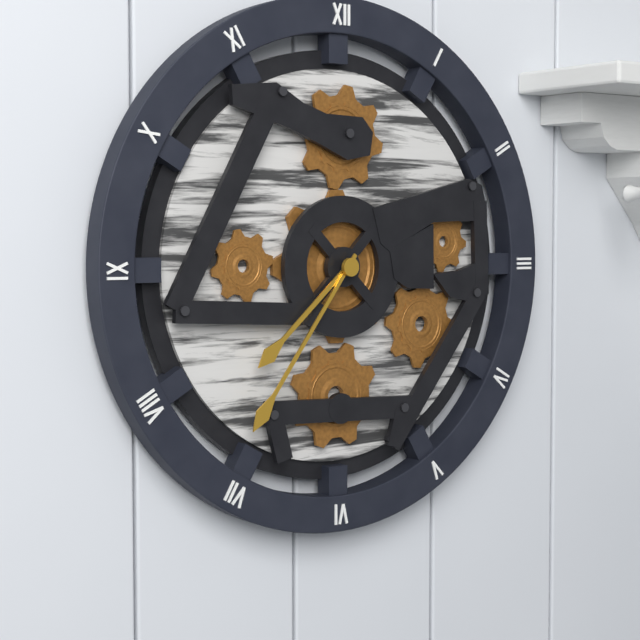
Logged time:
h=7 m=36
